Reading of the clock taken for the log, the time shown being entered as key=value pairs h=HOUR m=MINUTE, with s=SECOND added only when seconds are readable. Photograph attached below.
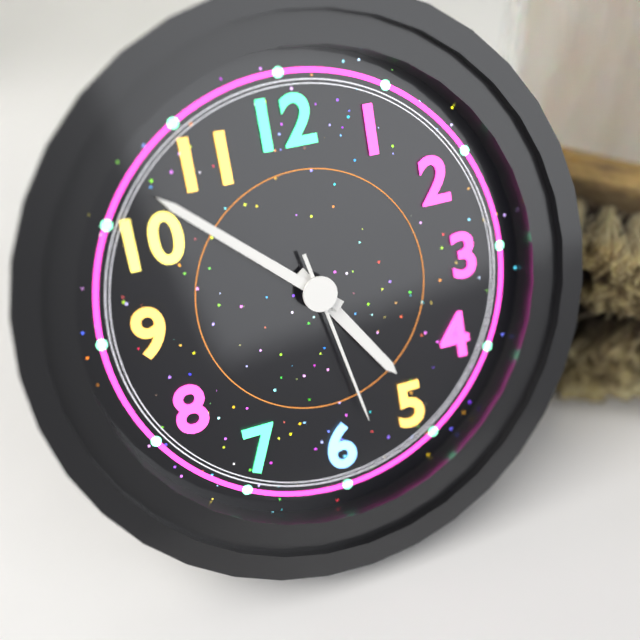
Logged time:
h=4 m=52 s=28
